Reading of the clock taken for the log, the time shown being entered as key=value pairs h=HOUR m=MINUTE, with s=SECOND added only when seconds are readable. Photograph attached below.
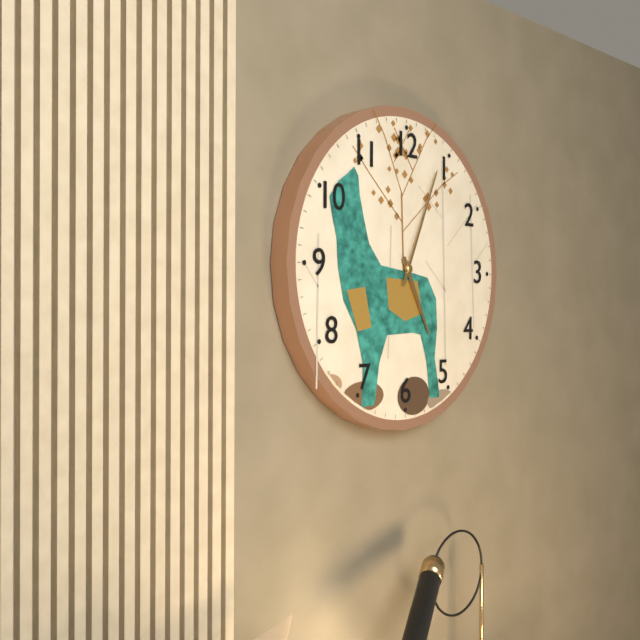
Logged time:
h=5 m=4
